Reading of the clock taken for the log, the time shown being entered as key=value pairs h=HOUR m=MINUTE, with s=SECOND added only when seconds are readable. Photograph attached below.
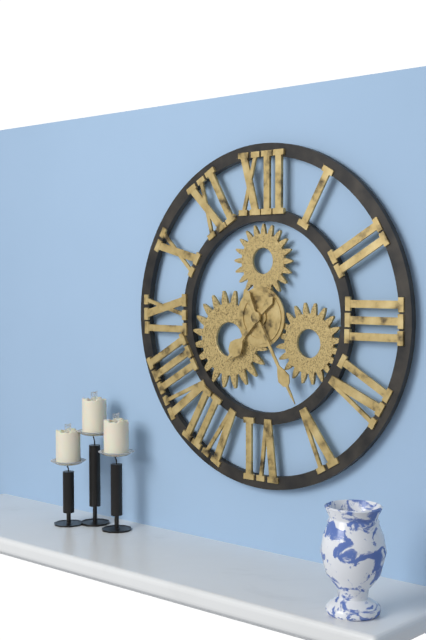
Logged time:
h=7 m=25
